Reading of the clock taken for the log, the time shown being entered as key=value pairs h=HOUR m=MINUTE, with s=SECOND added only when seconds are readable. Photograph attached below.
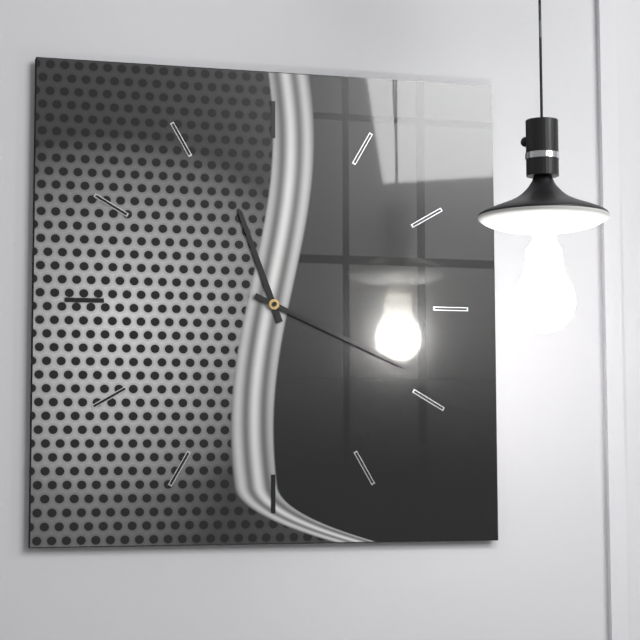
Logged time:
h=11 m=19
